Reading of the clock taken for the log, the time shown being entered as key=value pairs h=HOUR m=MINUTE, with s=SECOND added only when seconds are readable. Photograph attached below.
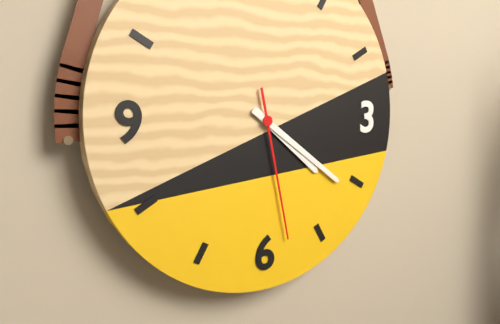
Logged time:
h=4 m=21 s=28
